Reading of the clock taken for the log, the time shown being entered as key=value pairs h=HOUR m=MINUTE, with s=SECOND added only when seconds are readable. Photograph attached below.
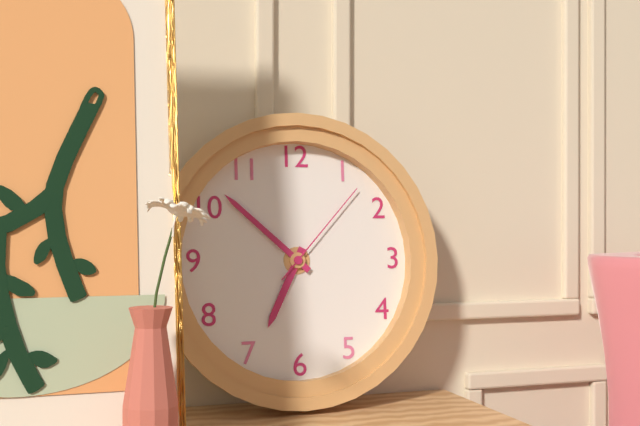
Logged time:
h=6 m=52 s=7
